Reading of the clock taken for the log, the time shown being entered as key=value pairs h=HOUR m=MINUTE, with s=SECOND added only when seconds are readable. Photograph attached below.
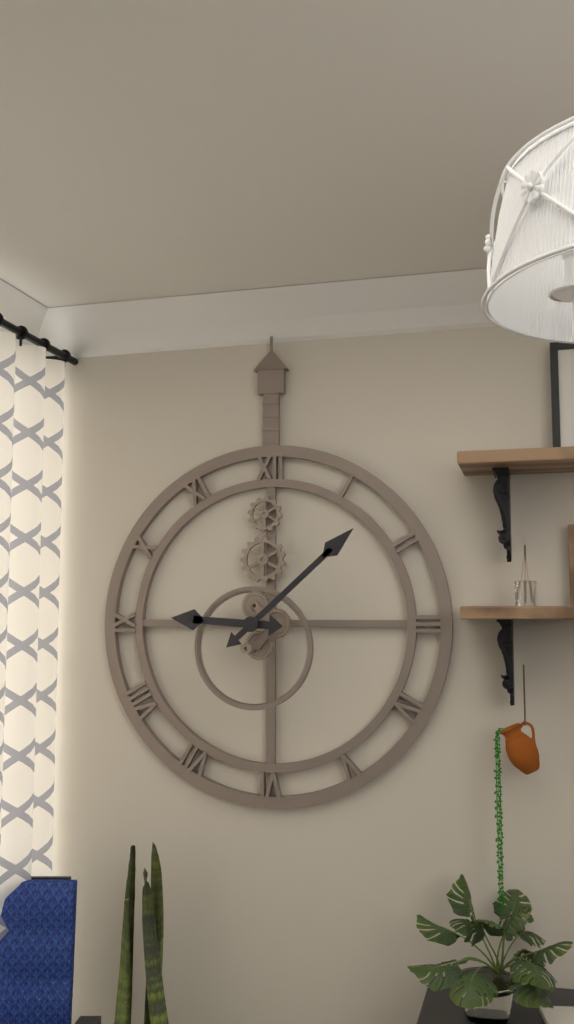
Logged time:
h=9 m=8
